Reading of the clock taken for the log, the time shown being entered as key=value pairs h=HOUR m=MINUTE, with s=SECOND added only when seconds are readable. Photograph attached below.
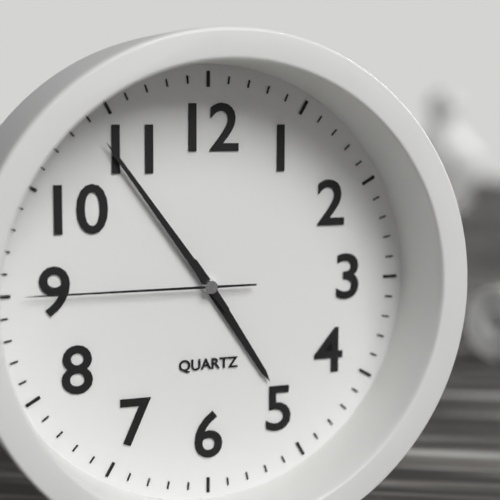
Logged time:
h=4 m=54 s=45
